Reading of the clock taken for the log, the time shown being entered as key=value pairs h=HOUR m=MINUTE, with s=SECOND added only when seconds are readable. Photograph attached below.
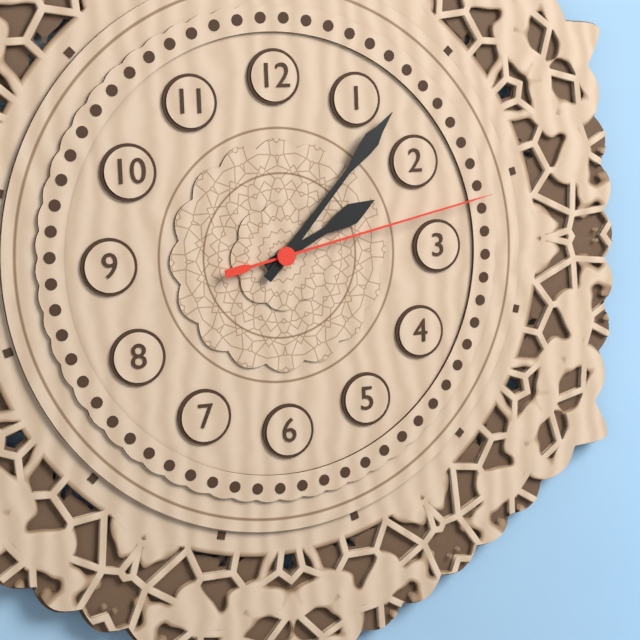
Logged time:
h=2 m=7 s=13
